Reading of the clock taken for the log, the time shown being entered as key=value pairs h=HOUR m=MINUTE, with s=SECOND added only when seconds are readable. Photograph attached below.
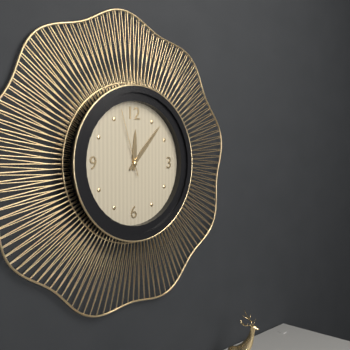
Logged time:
h=12 m=7 s=57
